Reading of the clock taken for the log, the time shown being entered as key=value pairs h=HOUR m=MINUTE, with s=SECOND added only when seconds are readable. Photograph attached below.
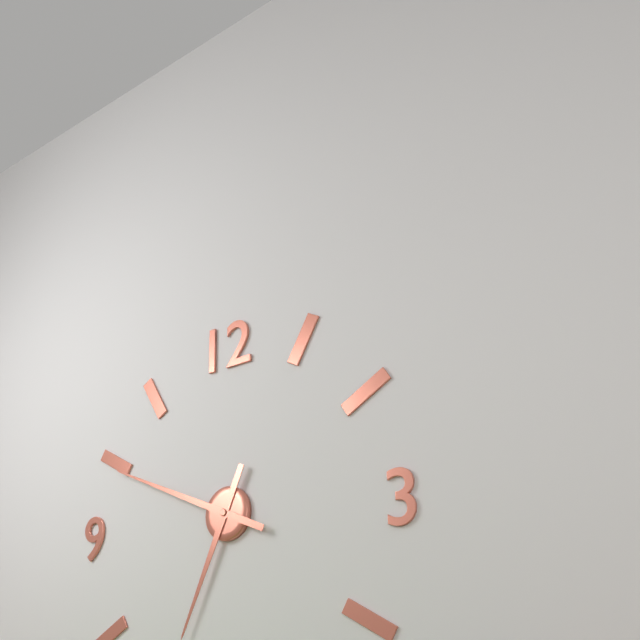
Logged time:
h=6 m=49
